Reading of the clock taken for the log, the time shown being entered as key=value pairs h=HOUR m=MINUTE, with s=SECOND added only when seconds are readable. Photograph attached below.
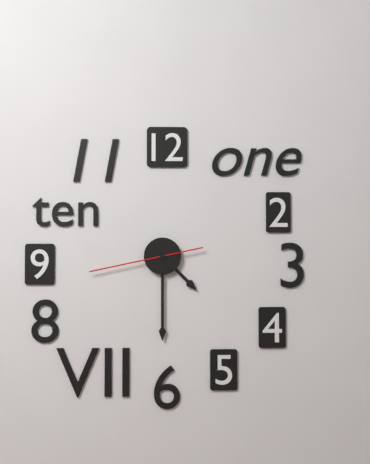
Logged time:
h=4 m=30 s=43
